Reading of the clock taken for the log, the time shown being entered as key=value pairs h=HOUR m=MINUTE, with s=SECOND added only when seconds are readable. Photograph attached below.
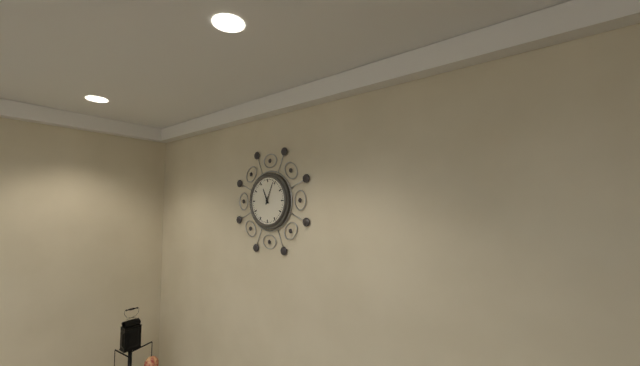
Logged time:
h=11 m=4
